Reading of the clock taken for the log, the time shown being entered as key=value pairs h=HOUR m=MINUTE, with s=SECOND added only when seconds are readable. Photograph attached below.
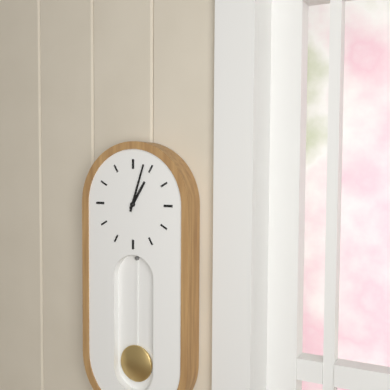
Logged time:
h=1 m=3
